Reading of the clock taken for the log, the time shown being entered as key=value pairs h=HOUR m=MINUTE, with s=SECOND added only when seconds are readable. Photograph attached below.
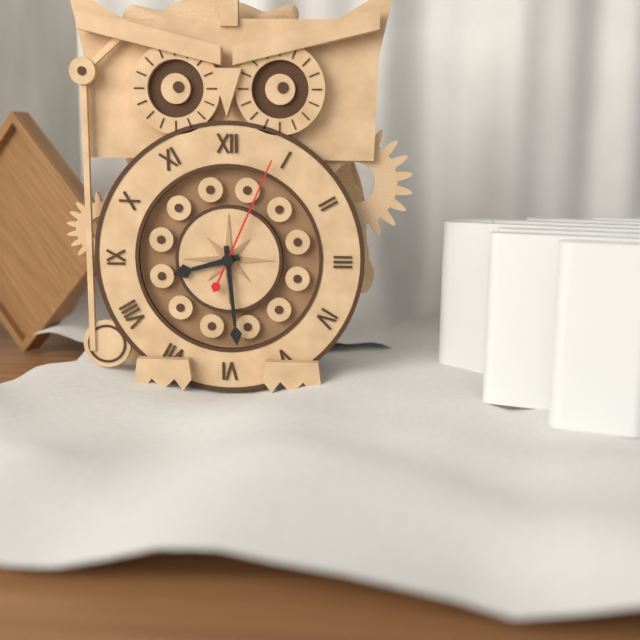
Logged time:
h=8 m=29 s=4
